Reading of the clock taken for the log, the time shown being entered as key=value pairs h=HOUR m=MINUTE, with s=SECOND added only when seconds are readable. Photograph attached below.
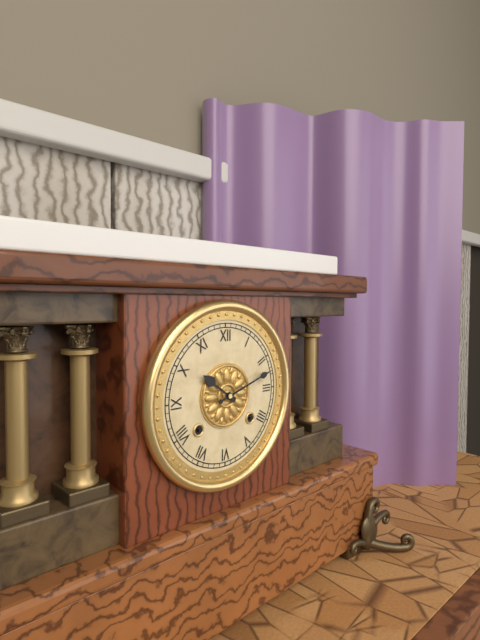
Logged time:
h=10 m=12
